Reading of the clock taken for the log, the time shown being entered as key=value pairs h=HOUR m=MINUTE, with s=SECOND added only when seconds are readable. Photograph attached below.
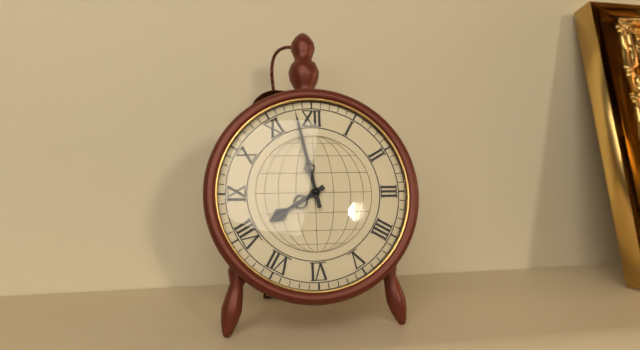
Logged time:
h=7 m=58
